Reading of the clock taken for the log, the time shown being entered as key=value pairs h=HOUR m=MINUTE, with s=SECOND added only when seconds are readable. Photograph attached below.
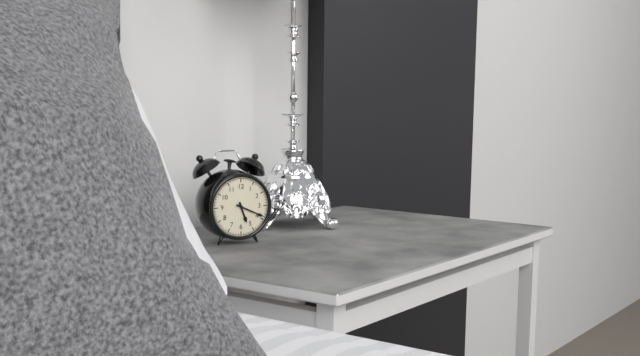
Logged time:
h=5 m=19
